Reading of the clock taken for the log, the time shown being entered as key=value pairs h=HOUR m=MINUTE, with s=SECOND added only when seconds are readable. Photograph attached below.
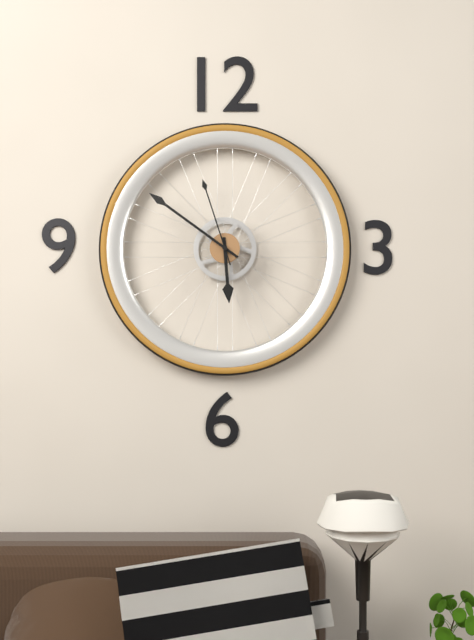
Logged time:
h=5 m=51 s=57
